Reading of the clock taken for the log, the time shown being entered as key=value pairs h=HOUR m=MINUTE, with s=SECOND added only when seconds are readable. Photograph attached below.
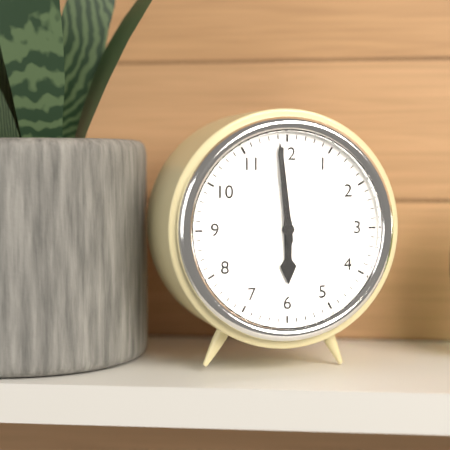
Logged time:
h=5 m=59
